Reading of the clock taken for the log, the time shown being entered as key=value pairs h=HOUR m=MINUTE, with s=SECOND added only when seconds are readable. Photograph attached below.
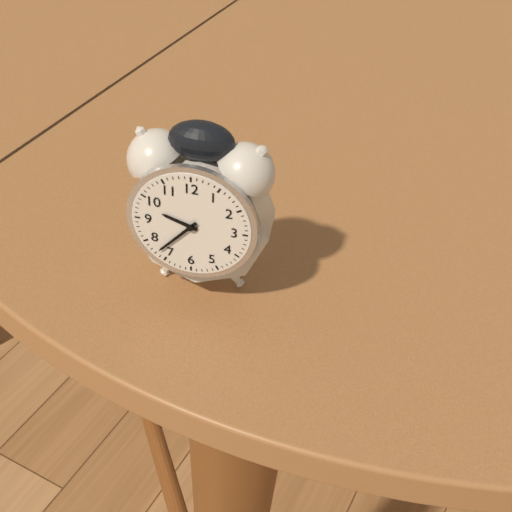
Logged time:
h=9 m=37
